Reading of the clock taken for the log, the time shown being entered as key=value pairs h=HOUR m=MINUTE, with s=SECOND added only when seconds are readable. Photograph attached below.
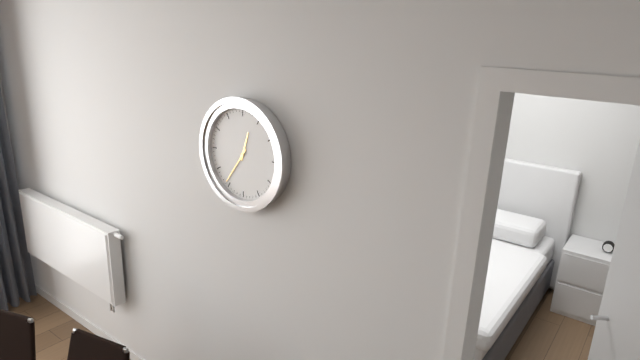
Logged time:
h=12 m=36
